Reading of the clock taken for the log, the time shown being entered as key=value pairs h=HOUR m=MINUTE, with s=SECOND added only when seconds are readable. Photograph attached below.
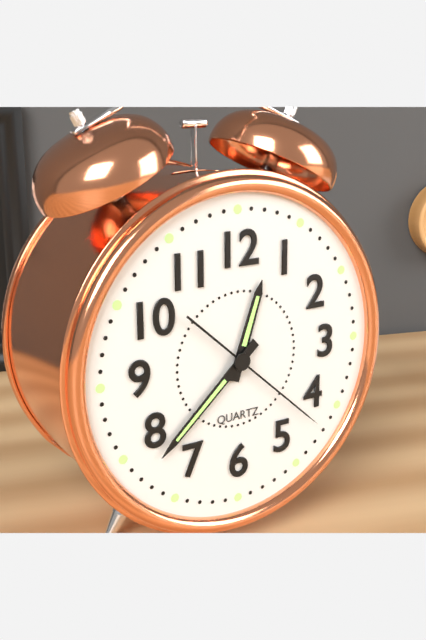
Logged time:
h=12 m=38 s=22
